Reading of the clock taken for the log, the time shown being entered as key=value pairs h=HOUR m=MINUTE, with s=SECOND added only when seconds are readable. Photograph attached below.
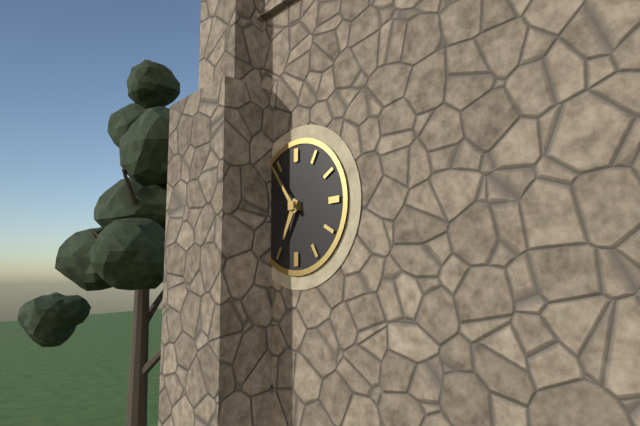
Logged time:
h=6 m=54
